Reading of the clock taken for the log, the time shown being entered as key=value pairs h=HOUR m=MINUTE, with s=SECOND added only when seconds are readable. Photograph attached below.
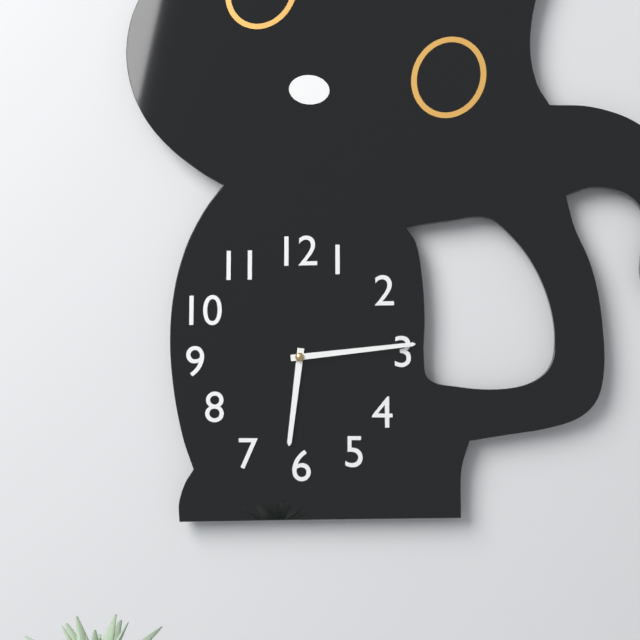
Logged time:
h=6 m=14
